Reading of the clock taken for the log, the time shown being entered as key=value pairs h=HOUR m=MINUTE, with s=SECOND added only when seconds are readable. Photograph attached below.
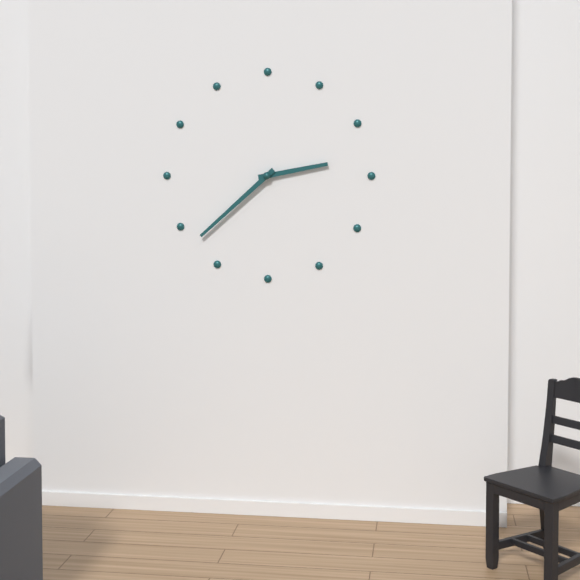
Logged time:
h=2 m=38
